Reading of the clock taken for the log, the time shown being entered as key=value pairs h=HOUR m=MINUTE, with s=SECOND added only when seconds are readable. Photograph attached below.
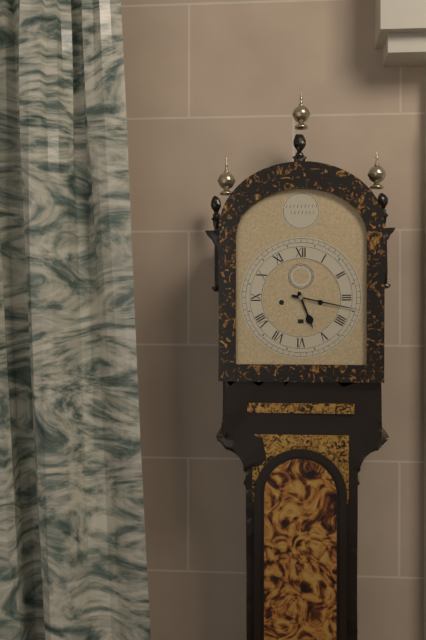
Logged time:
h=5 m=17
